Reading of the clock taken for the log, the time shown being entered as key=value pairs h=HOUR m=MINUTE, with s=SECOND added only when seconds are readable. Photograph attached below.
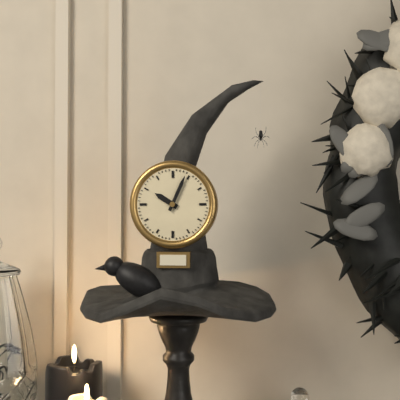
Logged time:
h=10 m=4
